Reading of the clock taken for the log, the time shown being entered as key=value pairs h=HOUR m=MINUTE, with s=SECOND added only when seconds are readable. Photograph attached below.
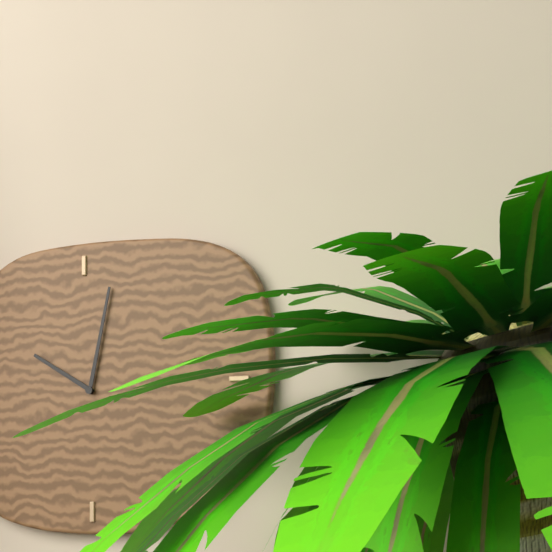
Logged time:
h=10 m=2
